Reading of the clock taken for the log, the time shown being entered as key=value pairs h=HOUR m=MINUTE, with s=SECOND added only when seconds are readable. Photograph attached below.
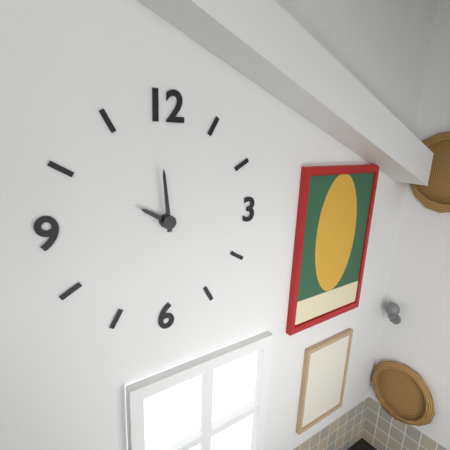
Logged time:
h=9 m=59
